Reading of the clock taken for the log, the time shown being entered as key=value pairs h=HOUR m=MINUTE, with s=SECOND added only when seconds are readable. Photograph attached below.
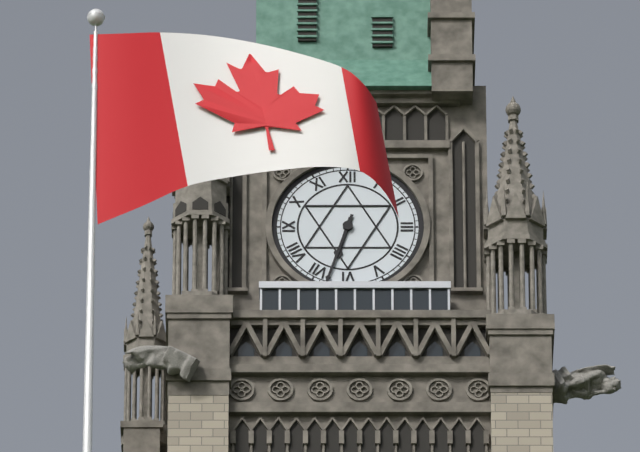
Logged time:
h=6 m=33
